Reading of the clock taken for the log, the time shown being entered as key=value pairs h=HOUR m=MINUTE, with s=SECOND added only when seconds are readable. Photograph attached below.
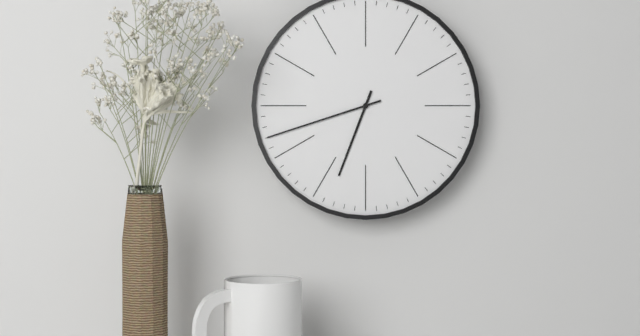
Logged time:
h=6 m=42
